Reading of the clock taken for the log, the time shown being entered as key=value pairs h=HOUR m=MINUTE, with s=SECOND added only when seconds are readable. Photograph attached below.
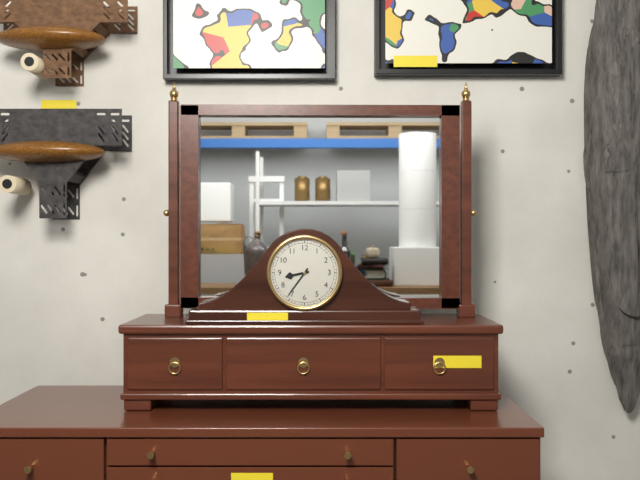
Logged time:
h=8 m=36
